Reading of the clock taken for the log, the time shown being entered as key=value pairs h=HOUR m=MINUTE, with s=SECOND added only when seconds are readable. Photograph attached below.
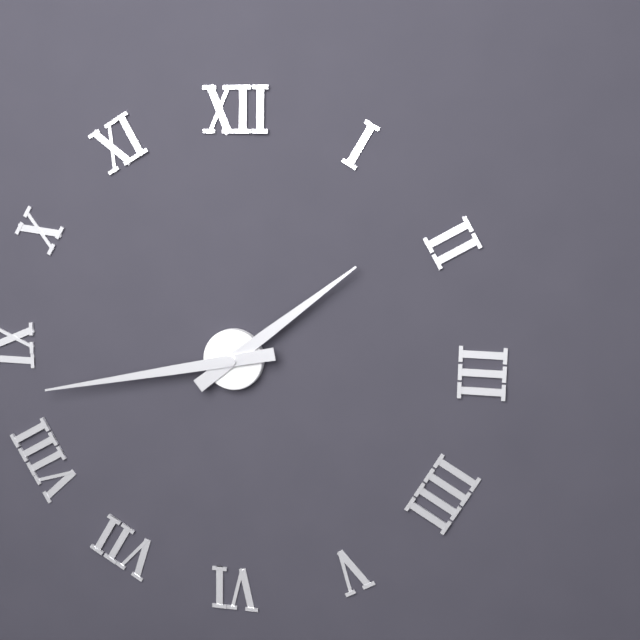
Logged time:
h=1 m=43
